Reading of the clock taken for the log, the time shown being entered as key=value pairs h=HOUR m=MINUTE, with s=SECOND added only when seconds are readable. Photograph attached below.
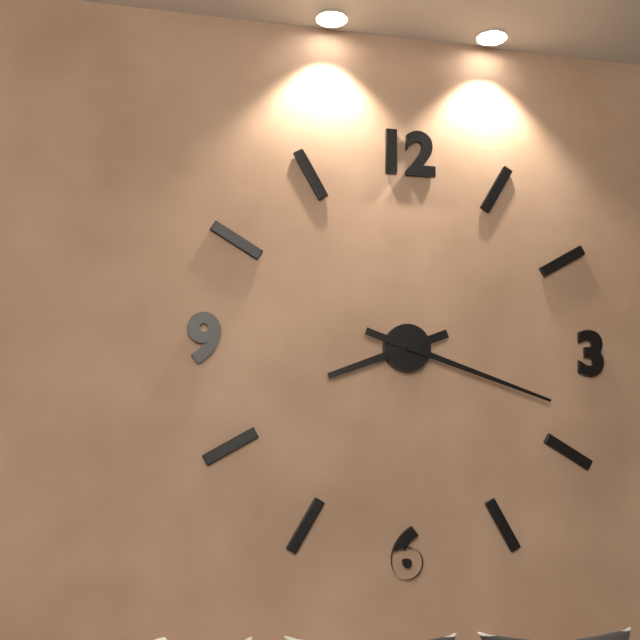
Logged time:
h=8 m=18
